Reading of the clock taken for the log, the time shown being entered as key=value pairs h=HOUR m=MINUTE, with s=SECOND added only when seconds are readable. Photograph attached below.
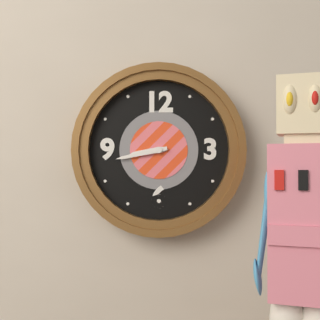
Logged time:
h=8 m=43
